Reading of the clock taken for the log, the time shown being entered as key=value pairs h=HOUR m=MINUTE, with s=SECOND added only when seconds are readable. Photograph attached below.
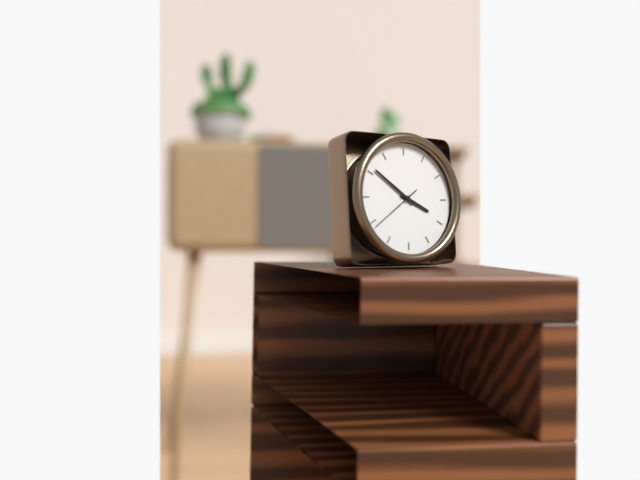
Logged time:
h=3 m=51 s=39
